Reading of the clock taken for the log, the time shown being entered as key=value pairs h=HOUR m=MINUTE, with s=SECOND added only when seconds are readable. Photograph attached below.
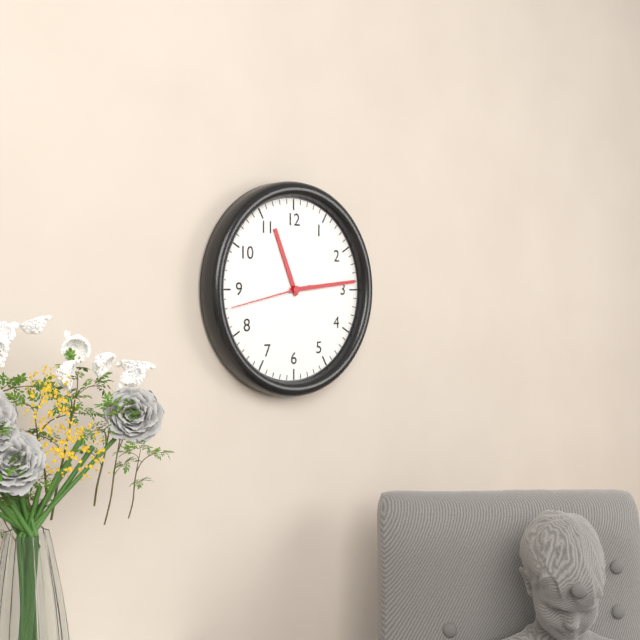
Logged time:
h=11 m=14 s=43
